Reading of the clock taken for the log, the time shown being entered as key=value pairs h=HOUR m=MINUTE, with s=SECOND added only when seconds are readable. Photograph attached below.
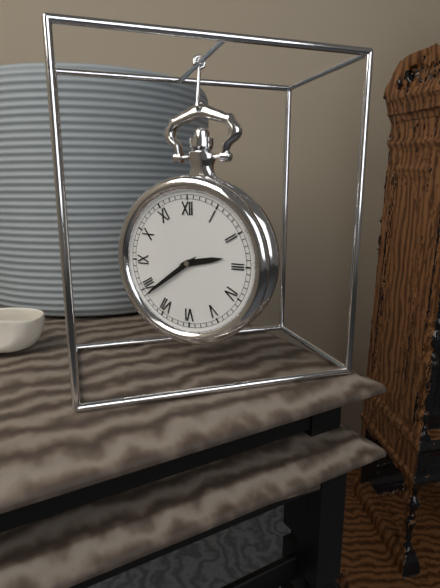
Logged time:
h=2 m=39
